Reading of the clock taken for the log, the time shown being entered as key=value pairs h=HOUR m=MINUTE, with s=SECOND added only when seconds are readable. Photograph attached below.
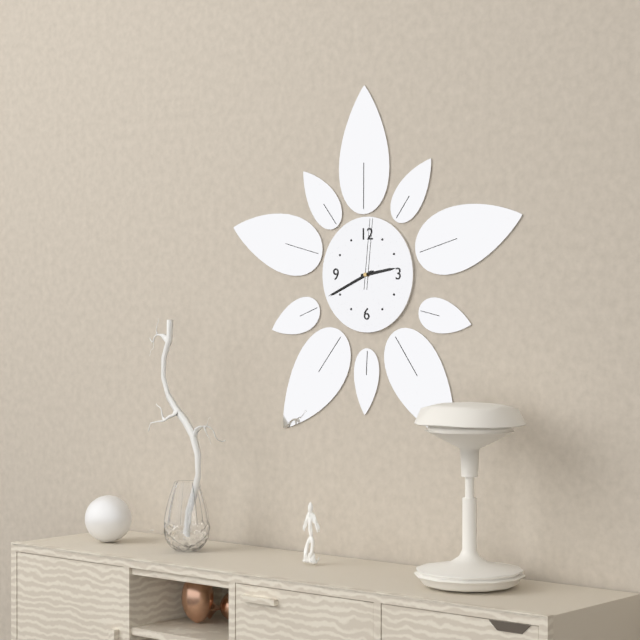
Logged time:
h=2 m=41 s=1
